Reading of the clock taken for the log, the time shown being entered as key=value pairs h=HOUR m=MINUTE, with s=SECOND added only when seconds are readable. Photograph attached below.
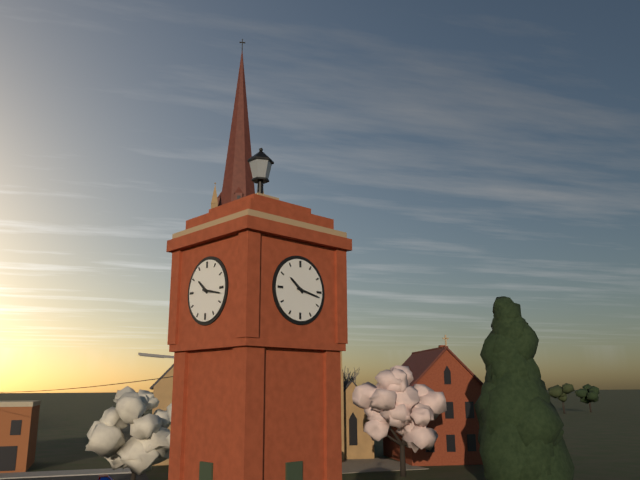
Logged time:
h=10 m=17
